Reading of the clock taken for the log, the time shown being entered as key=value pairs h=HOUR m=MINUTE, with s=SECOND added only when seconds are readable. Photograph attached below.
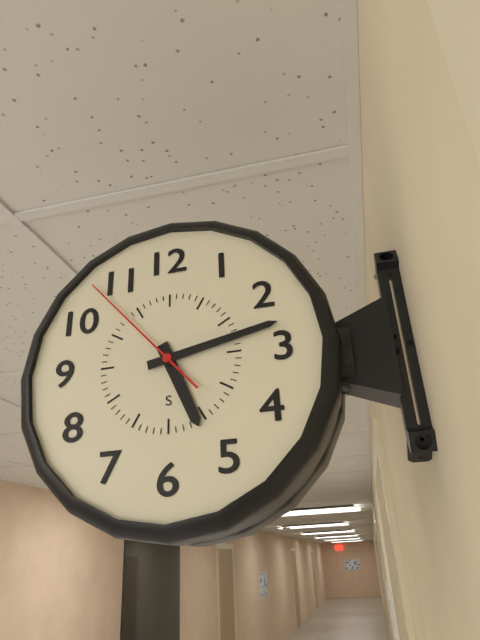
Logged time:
h=5 m=13 s=53
